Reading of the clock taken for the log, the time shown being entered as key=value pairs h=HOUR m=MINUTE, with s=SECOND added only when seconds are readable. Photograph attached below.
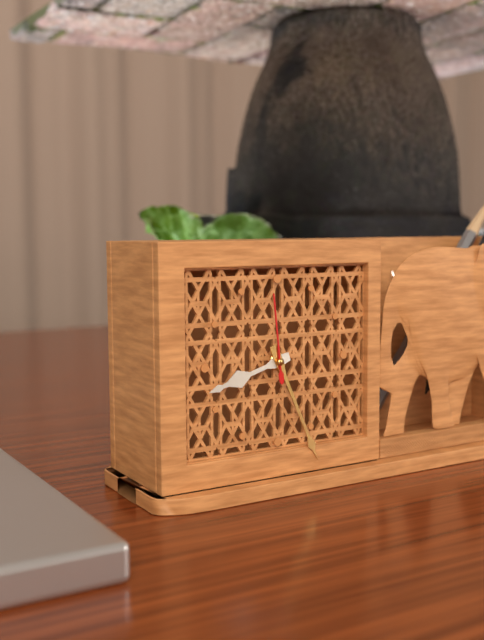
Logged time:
h=8 m=26 s=59
